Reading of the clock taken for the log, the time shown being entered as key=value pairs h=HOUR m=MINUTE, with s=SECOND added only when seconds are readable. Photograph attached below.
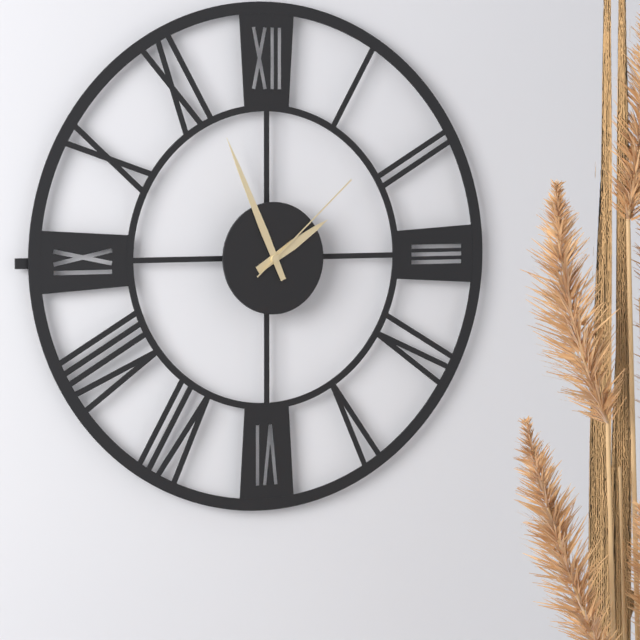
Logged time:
h=1 m=56 s=8
